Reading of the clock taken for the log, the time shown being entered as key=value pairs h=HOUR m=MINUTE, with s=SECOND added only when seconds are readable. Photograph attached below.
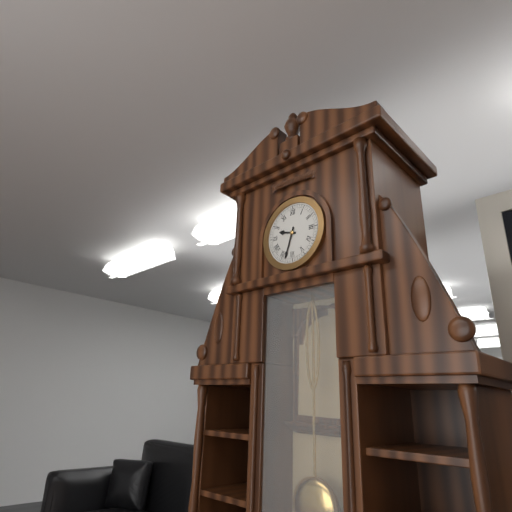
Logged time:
h=9 m=33
